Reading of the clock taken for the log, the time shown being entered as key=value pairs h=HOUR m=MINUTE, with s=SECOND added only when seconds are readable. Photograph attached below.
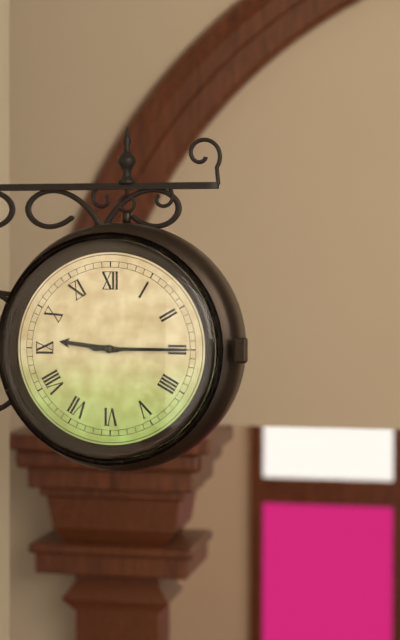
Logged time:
h=9 m=15
